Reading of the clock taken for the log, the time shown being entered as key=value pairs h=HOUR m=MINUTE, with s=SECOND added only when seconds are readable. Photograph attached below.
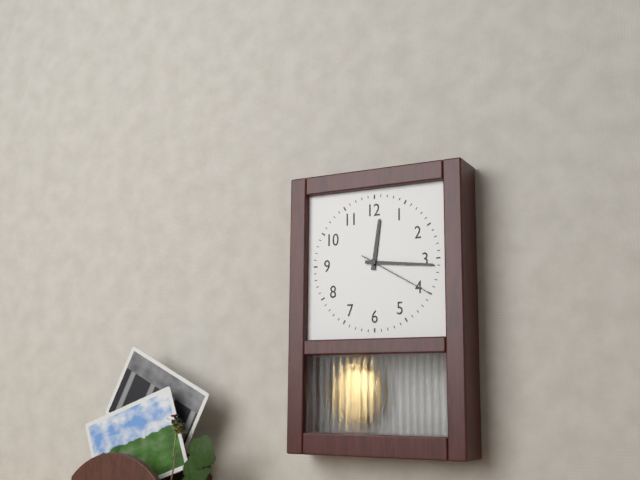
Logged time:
h=12 m=16 s=20
